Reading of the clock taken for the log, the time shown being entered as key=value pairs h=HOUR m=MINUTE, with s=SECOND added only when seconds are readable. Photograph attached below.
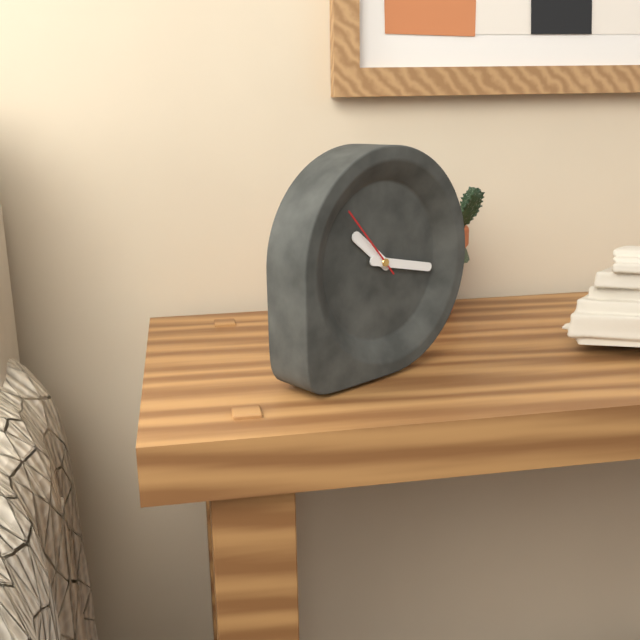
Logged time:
h=10 m=17 s=53
